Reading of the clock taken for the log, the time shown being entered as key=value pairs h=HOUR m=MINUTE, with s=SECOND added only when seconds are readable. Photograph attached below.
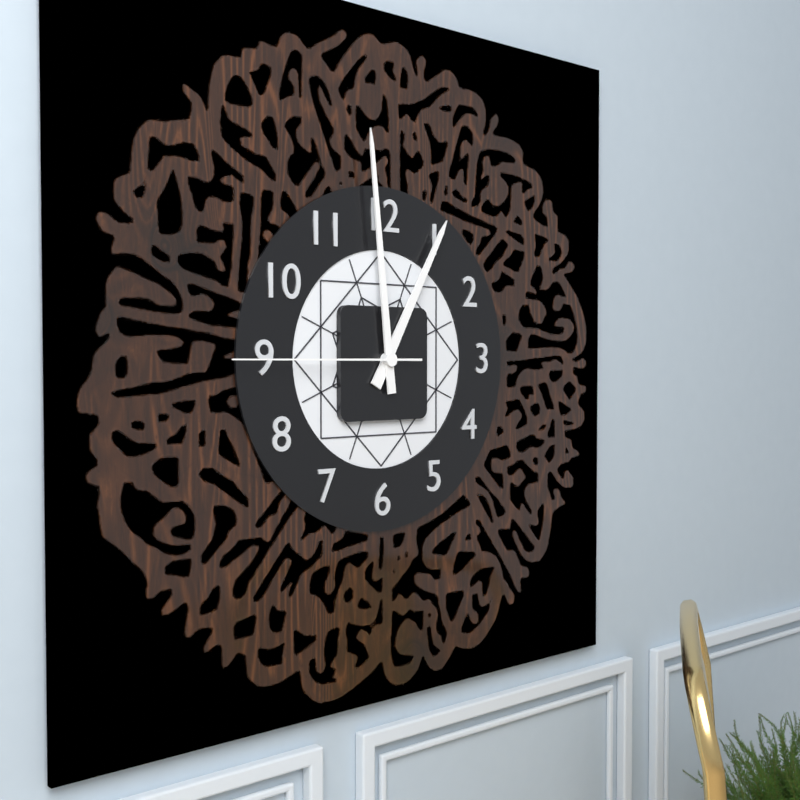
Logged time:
h=12 m=59 s=45
